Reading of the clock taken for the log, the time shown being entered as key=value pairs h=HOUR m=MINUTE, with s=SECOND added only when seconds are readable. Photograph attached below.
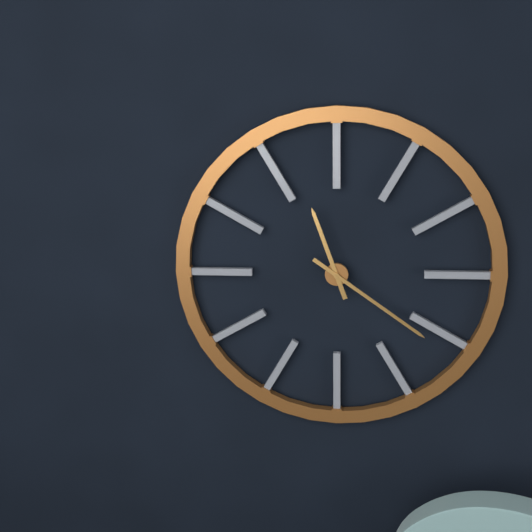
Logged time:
h=11 m=21
